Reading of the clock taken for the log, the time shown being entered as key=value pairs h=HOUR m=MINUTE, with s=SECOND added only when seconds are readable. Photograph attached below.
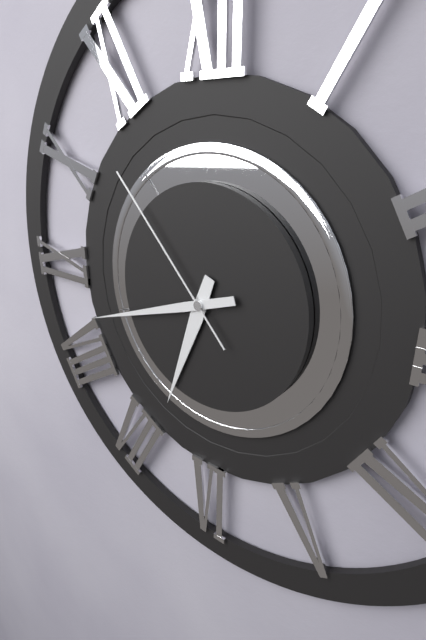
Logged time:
h=6 m=42 s=53
